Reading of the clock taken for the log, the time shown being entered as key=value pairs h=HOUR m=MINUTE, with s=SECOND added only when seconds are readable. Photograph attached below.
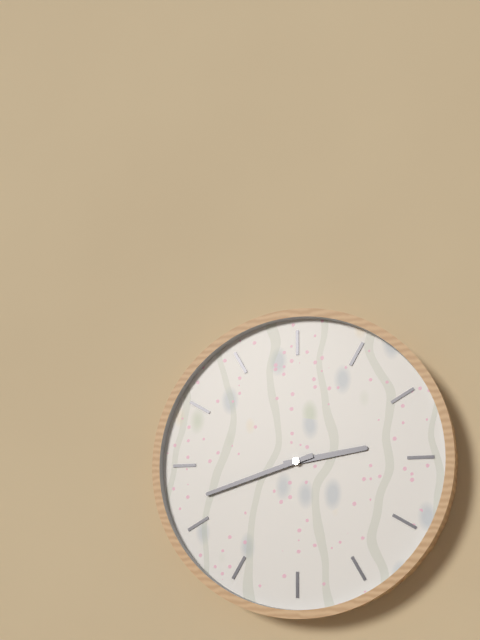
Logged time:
h=2 m=42
